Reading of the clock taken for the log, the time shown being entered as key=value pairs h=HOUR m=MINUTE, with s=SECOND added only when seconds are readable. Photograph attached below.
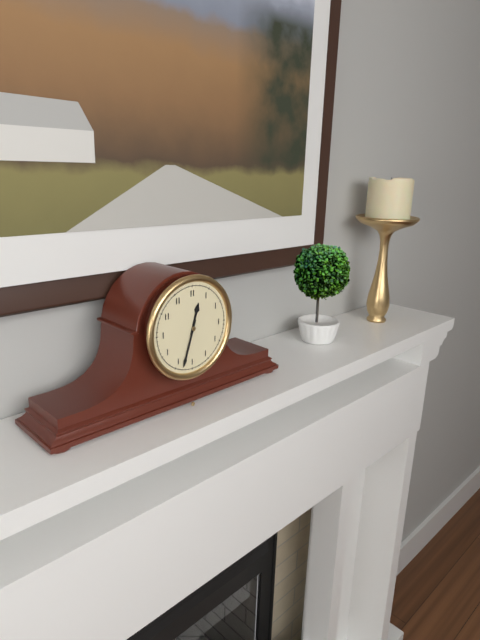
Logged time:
h=12 m=33
